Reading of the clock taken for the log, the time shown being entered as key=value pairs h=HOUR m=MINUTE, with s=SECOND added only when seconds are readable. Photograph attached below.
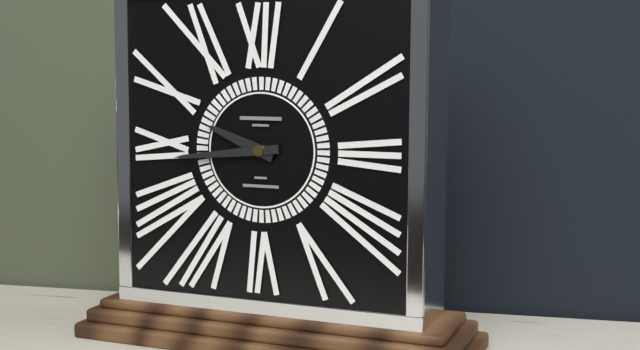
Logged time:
h=9 m=44
